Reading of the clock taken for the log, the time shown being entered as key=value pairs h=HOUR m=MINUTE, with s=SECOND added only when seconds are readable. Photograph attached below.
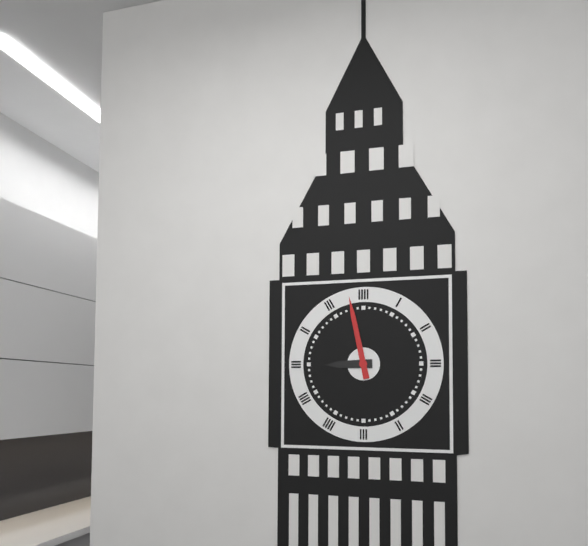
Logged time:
h=8 m=58
